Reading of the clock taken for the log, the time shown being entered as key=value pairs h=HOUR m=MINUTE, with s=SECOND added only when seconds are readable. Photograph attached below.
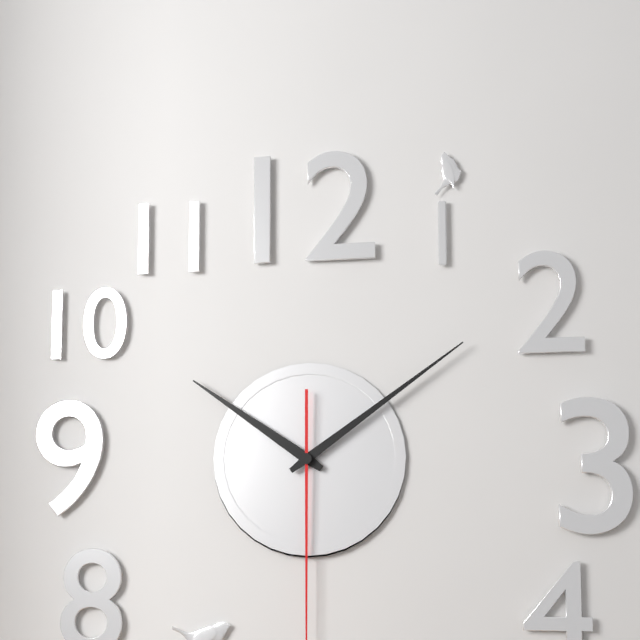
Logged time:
h=10 m=9
